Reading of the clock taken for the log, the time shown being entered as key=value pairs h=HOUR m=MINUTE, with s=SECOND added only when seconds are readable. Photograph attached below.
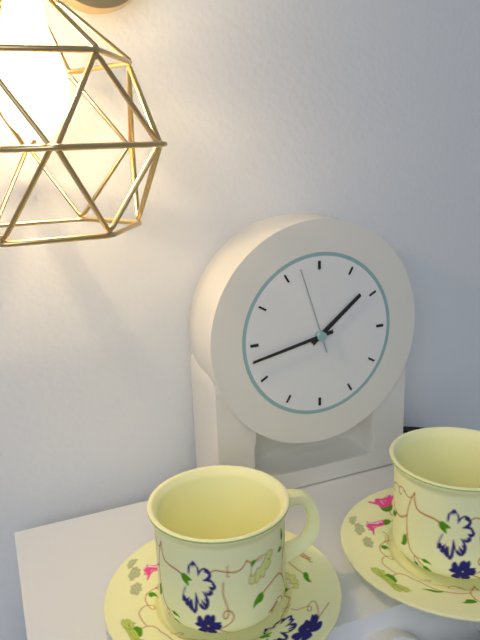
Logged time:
h=1 m=43 s=57
